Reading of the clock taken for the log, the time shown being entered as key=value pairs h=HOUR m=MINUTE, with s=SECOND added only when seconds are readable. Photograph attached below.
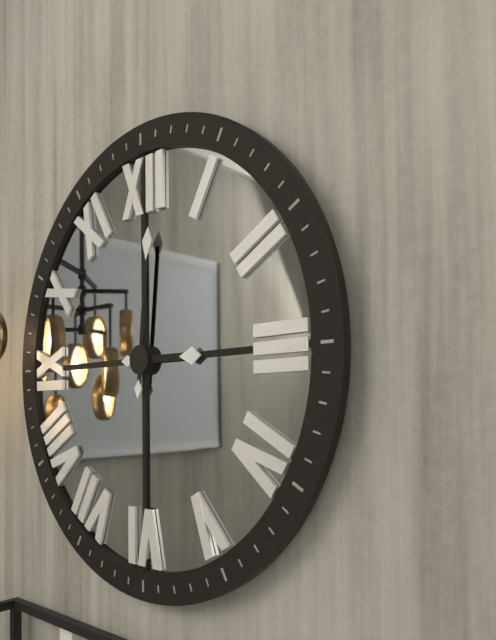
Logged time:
h=3 m=1
